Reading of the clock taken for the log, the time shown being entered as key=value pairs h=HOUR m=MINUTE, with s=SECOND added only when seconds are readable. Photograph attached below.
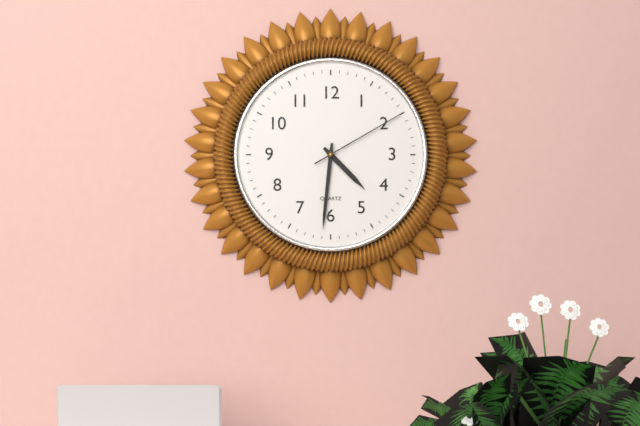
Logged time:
h=4 m=31 s=10
